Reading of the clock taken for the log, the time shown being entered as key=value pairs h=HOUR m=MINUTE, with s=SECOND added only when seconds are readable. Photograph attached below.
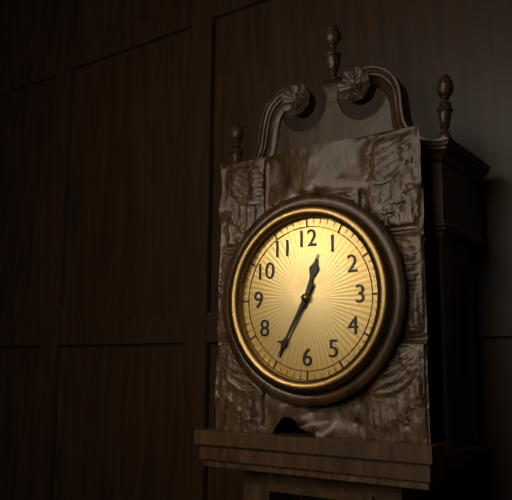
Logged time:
h=12 m=35
